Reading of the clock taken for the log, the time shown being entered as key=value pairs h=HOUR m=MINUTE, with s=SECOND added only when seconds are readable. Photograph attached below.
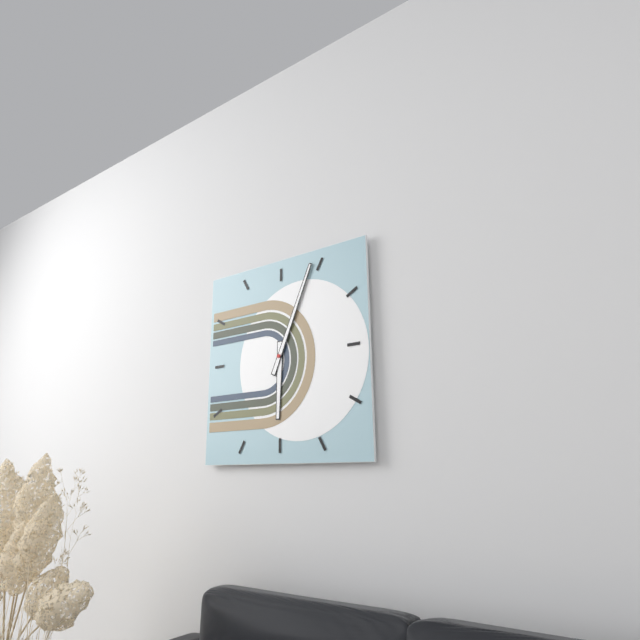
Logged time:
h=6 m=4
